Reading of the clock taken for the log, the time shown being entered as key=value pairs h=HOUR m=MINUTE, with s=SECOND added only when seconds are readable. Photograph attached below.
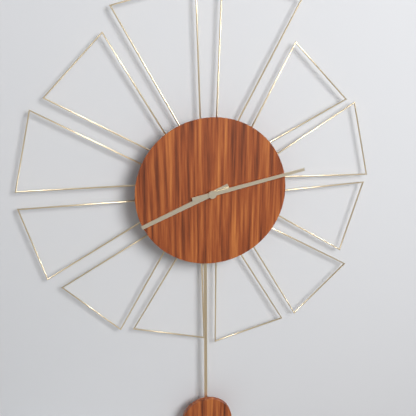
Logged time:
h=8 m=13
